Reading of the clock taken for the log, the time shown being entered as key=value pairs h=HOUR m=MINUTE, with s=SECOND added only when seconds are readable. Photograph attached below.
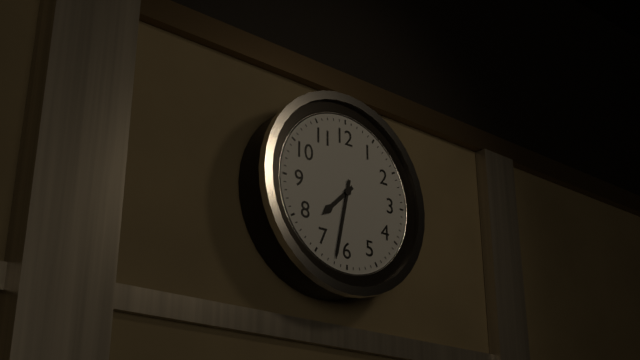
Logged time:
h=7 m=32
